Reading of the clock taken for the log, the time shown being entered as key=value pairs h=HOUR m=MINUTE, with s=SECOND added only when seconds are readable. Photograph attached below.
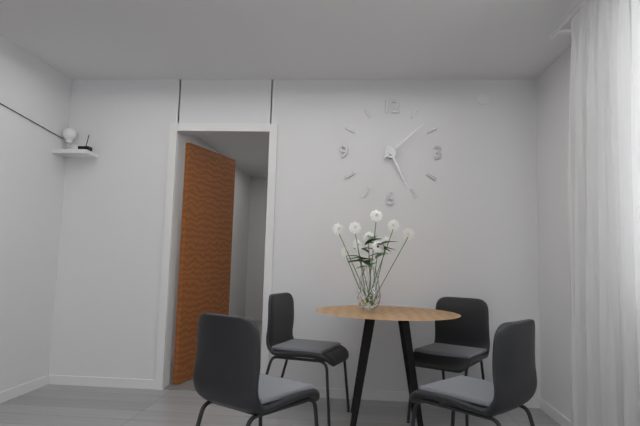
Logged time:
h=5 m=8
